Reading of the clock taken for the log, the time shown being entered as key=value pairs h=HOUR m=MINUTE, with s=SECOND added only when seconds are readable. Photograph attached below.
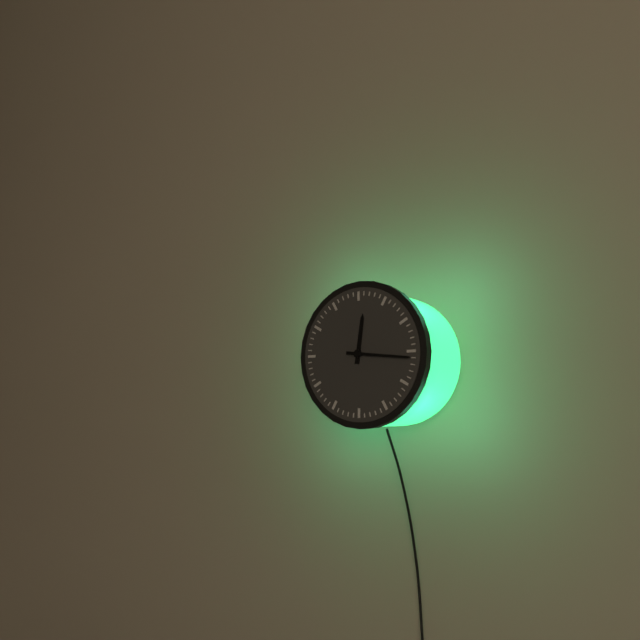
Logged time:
h=12 m=16
